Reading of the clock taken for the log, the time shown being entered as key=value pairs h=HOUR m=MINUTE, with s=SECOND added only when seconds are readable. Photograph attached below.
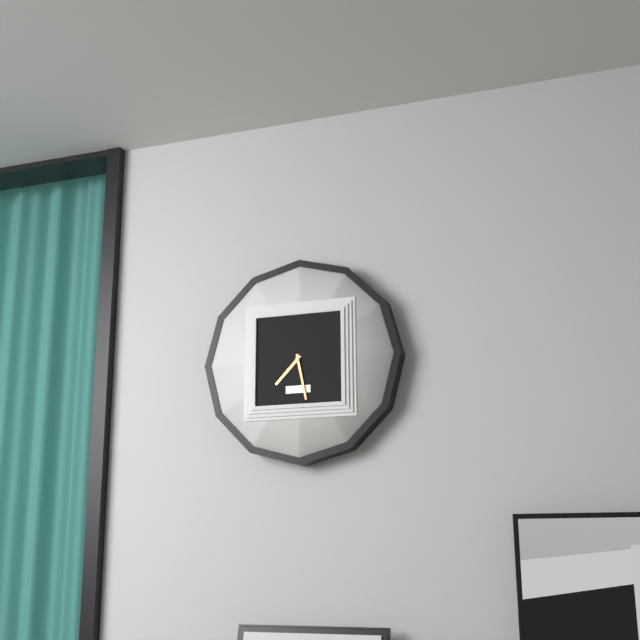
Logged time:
h=7 m=28
